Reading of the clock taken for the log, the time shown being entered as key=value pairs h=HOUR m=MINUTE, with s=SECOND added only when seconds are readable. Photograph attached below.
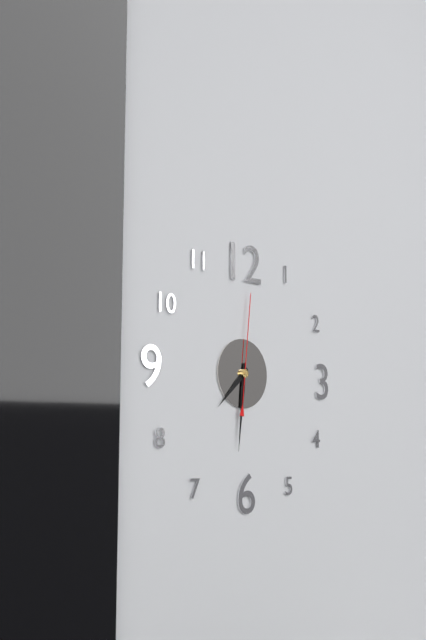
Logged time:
h=7 m=31 s=1
